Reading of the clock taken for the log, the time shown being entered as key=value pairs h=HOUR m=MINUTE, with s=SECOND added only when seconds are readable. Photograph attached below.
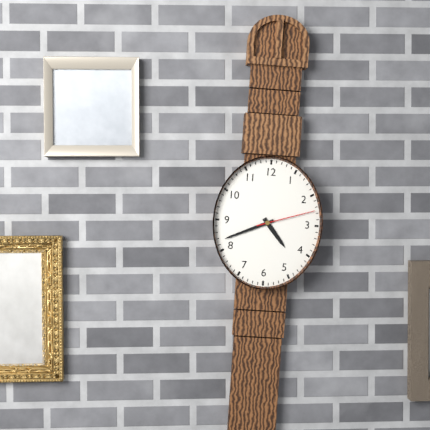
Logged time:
h=4 m=41 s=12
